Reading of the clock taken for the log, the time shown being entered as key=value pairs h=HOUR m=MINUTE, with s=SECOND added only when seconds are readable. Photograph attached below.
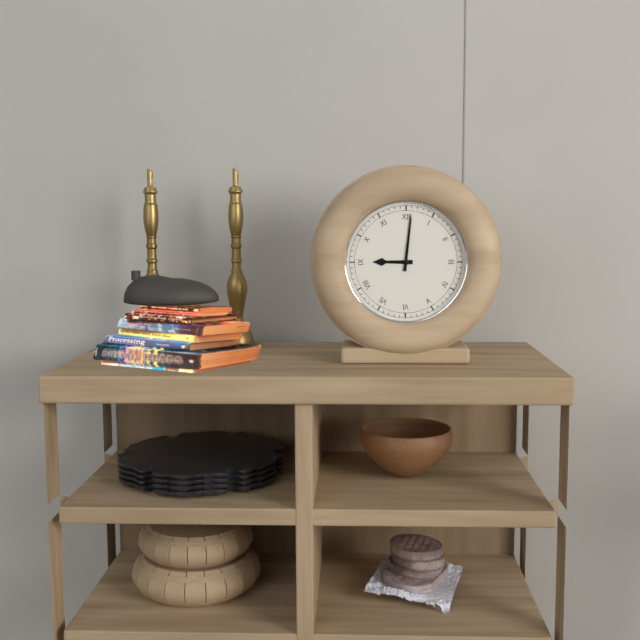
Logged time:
h=9 m=1
